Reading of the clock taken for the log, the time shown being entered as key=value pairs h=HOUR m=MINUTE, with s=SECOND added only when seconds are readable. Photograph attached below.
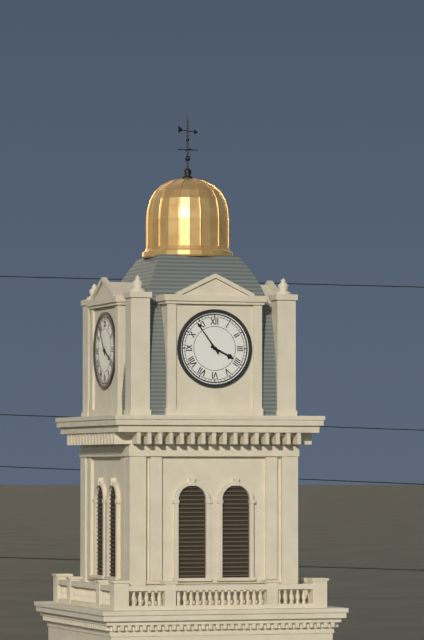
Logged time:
h=3 m=54
